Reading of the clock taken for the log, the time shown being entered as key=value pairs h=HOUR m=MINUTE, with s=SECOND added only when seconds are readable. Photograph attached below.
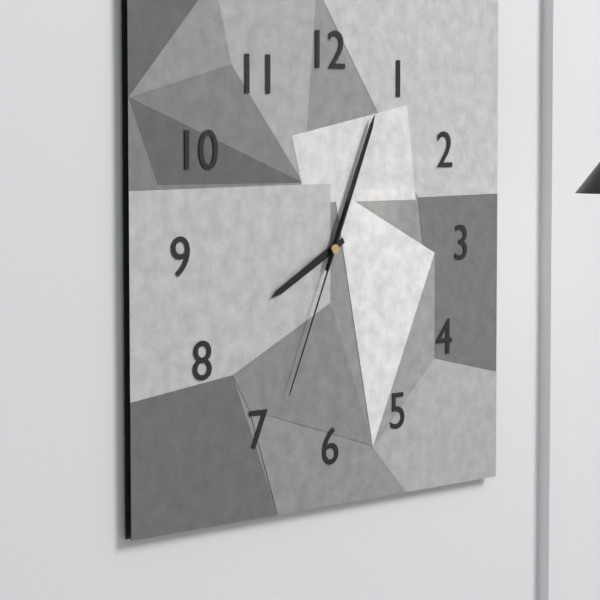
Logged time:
h=8 m=4 s=34
